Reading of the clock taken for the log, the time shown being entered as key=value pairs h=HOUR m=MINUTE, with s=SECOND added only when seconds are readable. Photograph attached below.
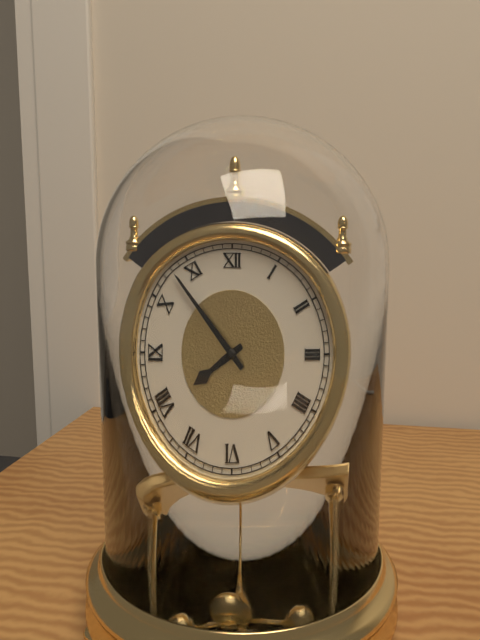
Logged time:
h=7 m=53
